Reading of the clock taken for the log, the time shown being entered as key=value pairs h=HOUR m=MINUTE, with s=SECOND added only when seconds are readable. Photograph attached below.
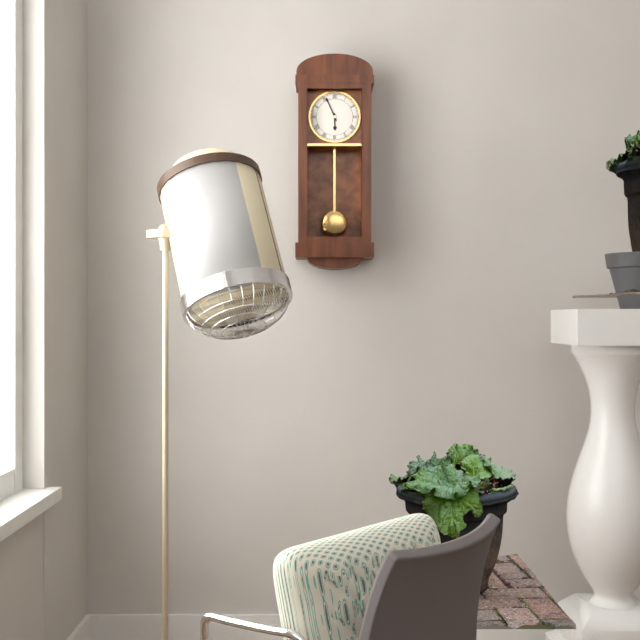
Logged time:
h=5 m=56
